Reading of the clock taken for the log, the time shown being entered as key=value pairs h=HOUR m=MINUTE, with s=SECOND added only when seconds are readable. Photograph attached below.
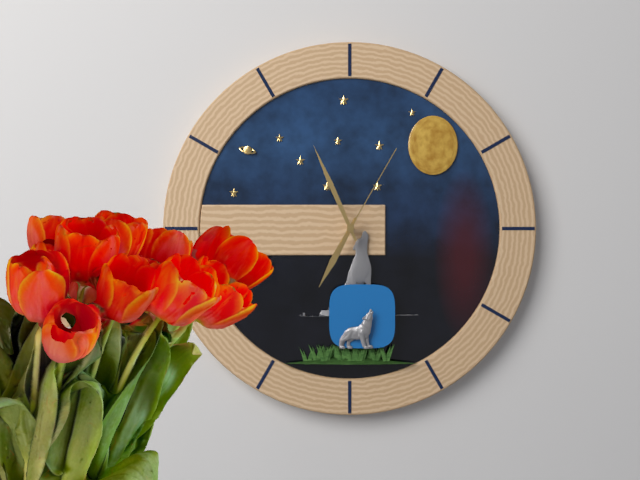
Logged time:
h=6 m=56 s=5
